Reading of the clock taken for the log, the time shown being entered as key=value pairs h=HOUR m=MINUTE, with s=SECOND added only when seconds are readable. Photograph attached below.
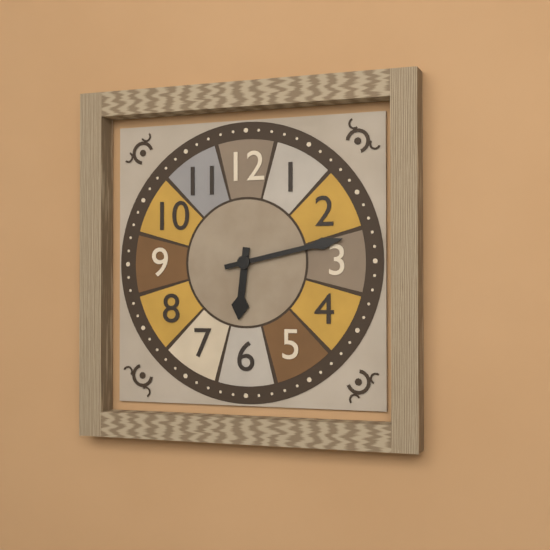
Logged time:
h=6 m=13
